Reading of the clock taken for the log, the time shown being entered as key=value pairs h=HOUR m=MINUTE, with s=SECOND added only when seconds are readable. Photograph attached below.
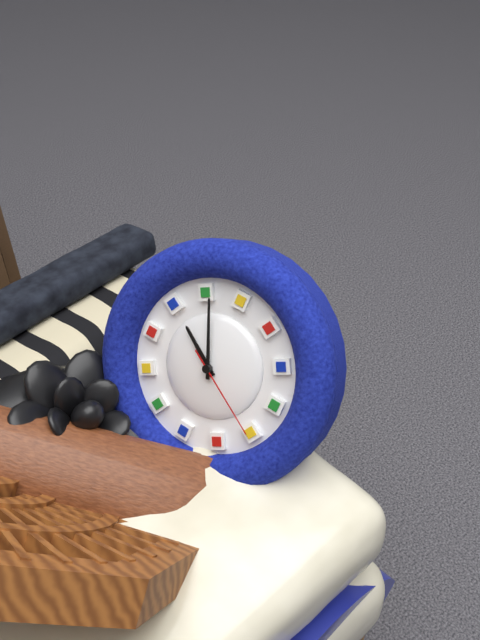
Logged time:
h=12 m=6 s=30
